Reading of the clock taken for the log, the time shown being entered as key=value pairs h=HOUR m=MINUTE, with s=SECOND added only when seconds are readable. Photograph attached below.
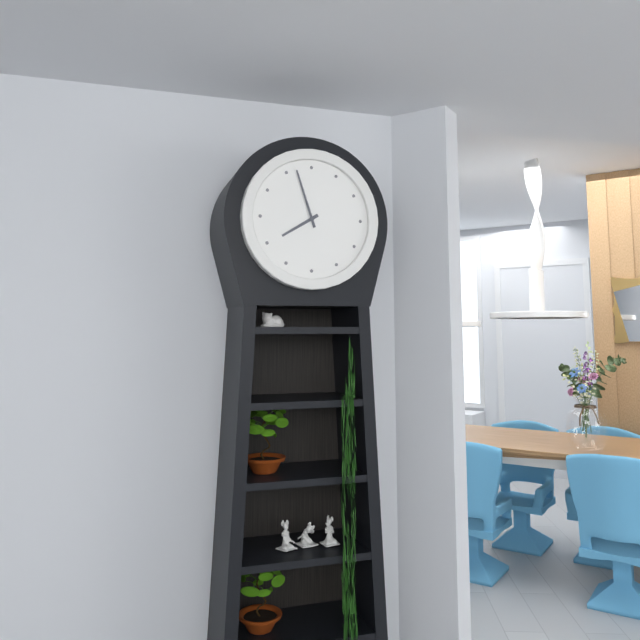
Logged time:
h=7 m=57
